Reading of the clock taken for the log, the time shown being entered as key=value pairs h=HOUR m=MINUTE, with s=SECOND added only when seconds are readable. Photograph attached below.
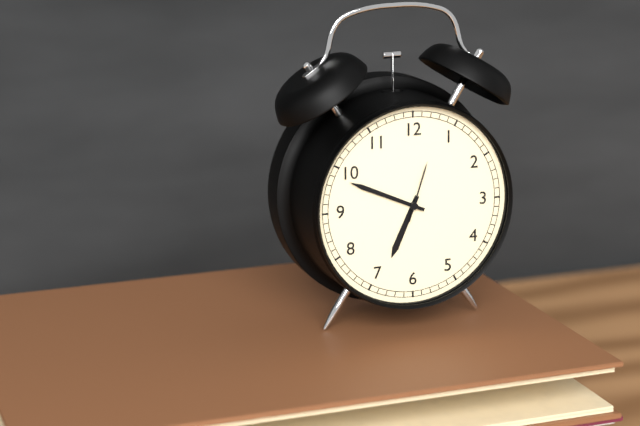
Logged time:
h=6 m=49 s=3
